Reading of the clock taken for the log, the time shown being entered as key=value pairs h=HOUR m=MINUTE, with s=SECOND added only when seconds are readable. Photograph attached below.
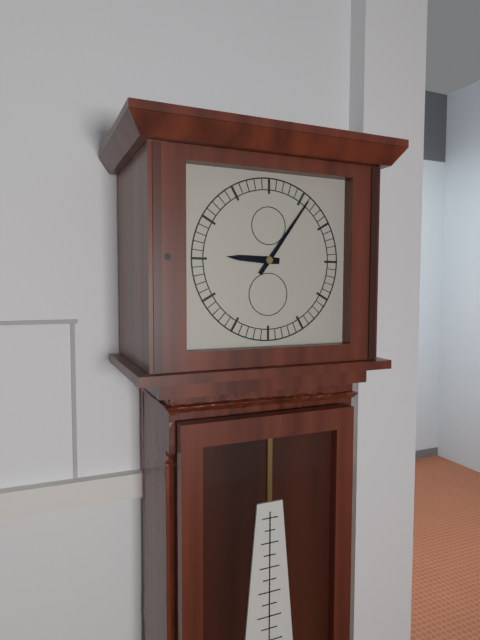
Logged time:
h=9 m=6
